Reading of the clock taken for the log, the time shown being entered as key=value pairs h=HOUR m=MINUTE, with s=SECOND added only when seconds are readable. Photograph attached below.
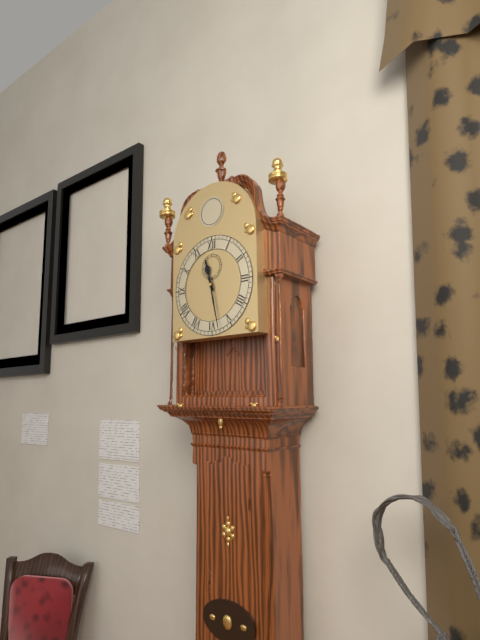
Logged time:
h=11 m=28
